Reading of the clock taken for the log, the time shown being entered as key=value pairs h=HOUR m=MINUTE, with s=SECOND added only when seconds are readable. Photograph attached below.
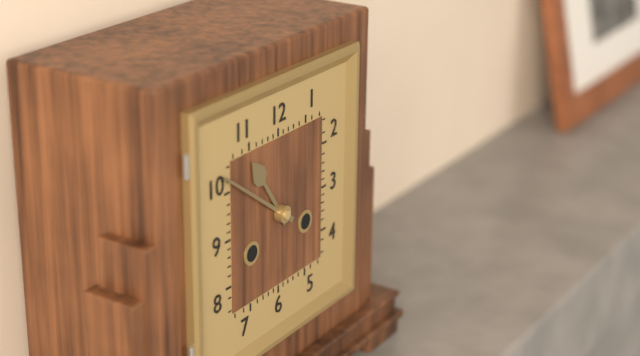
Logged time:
h=10 m=51
